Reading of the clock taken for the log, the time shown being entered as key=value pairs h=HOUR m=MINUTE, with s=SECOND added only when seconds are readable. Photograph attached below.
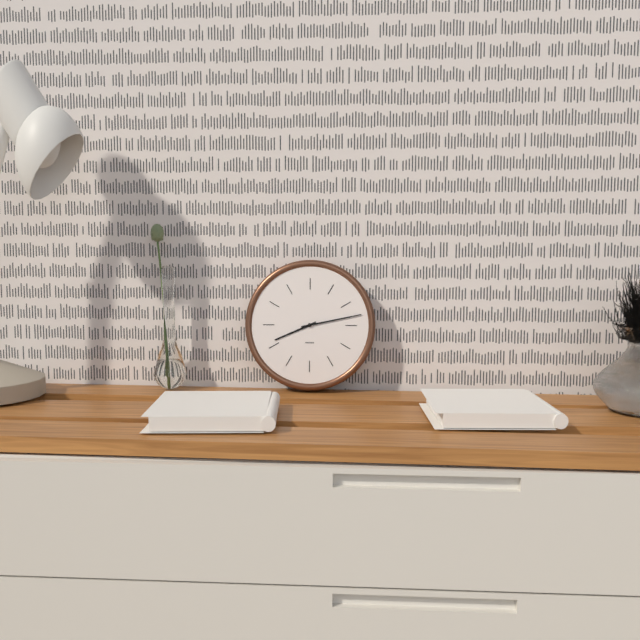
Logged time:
h=8 m=13
